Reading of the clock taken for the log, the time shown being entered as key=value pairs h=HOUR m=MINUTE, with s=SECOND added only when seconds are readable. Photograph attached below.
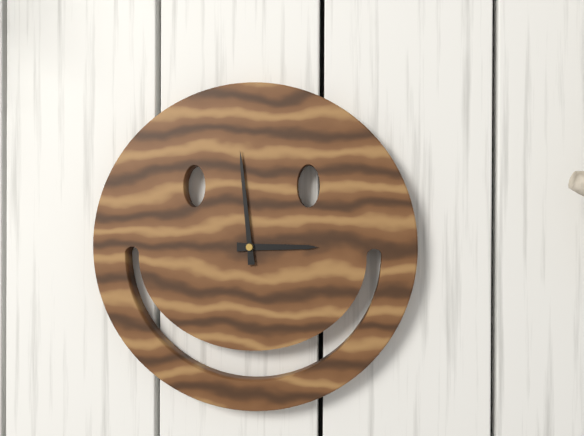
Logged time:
h=2 m=59
